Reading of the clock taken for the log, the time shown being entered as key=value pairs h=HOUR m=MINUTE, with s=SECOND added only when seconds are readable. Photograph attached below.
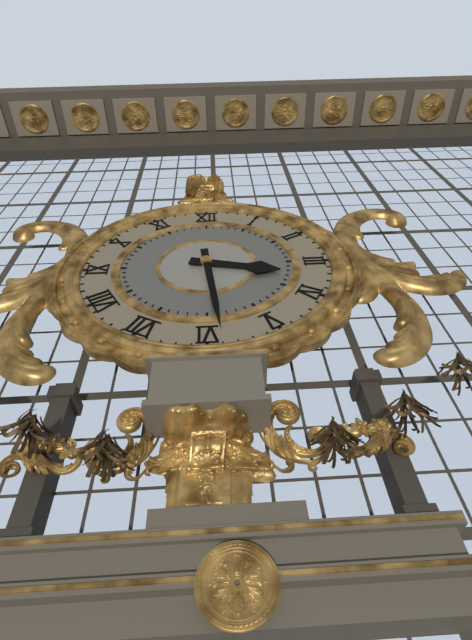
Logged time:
h=3 m=29
